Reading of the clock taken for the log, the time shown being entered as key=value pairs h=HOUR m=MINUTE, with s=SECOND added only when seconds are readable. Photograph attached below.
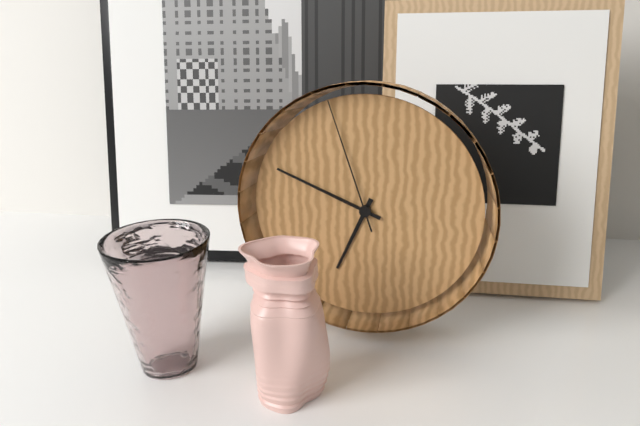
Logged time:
h=6 m=49 s=57
